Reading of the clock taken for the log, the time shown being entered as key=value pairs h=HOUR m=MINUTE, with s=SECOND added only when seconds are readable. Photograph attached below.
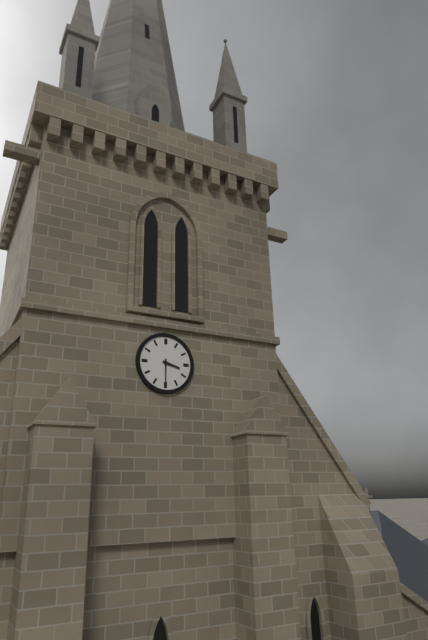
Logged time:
h=3 m=30
